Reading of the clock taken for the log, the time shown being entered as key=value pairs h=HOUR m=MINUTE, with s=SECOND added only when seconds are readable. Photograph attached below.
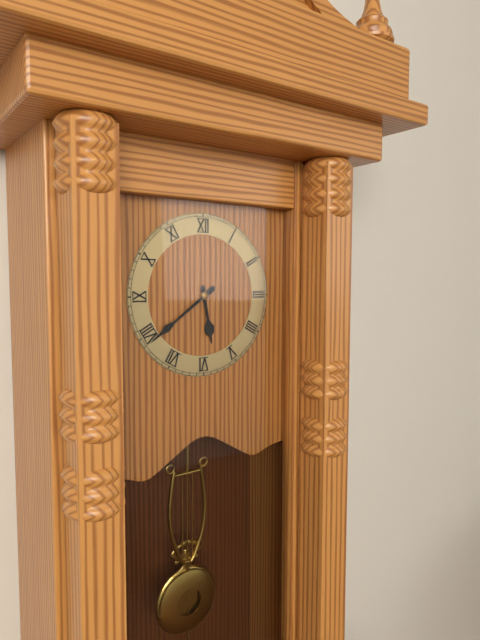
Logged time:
h=5 m=39
